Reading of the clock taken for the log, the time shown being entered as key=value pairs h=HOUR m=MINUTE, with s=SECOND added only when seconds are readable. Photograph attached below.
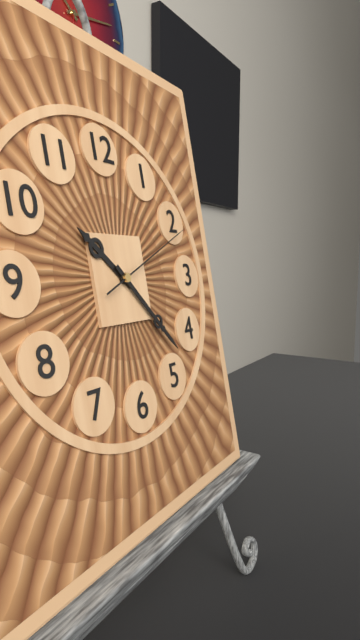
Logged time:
h=10 m=23 s=11
